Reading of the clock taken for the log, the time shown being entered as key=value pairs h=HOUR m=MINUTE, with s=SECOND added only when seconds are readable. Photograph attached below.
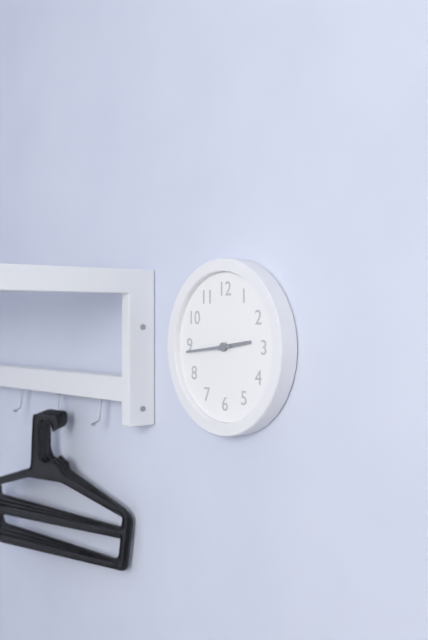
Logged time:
h=2 m=44
